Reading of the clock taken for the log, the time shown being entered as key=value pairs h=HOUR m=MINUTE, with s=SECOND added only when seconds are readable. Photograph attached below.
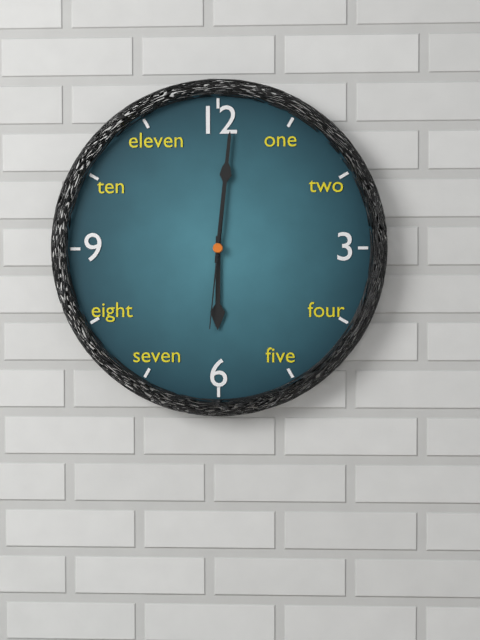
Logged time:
h=6 m=1 s=31
